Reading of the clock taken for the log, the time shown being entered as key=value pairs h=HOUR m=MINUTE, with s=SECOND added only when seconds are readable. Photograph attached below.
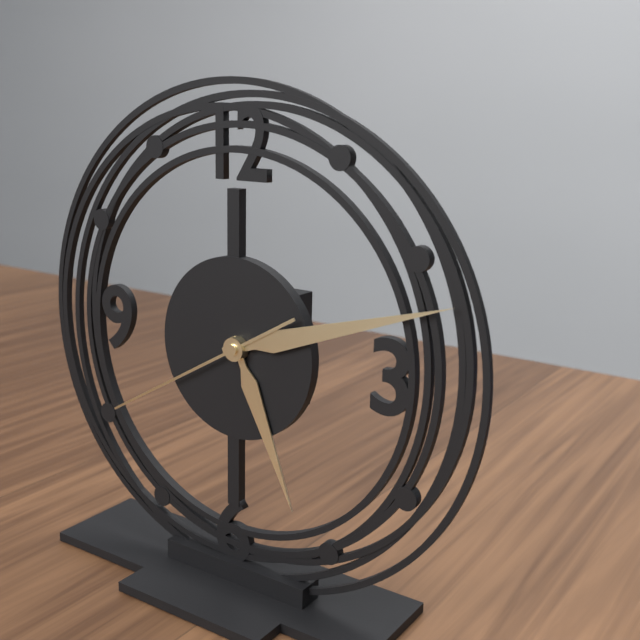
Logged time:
h=5 m=12 s=40
